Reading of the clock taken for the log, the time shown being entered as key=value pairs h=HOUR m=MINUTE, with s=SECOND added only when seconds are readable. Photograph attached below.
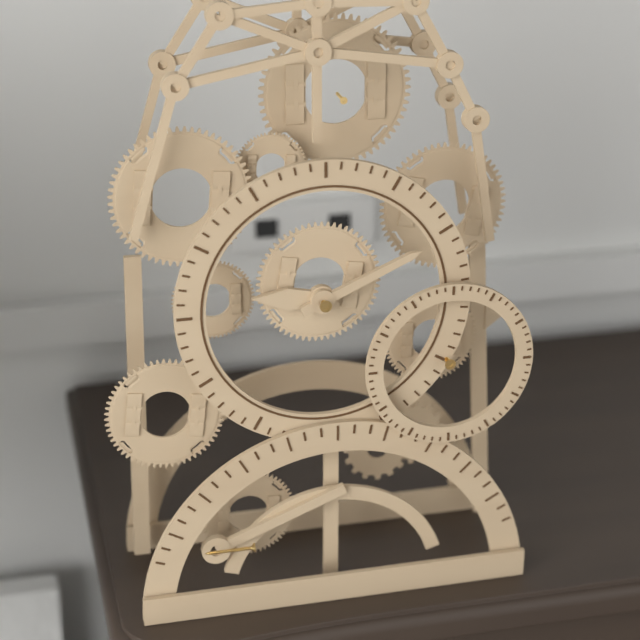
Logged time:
h=9 m=11
